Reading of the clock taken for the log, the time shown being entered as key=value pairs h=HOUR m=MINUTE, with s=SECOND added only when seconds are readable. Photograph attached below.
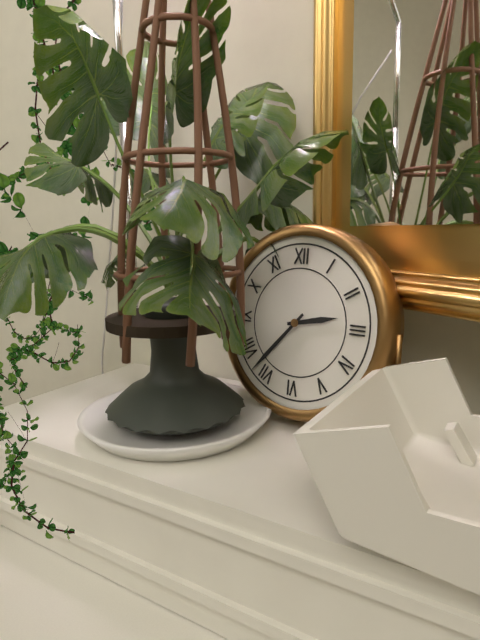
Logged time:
h=2 m=37
